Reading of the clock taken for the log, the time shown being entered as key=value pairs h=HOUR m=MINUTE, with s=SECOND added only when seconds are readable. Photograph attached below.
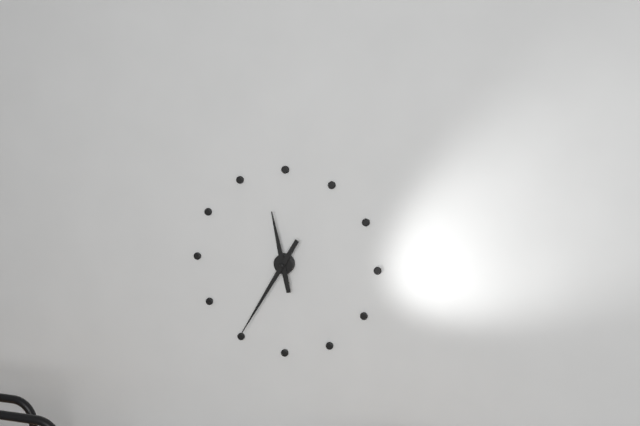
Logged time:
h=11 m=35
